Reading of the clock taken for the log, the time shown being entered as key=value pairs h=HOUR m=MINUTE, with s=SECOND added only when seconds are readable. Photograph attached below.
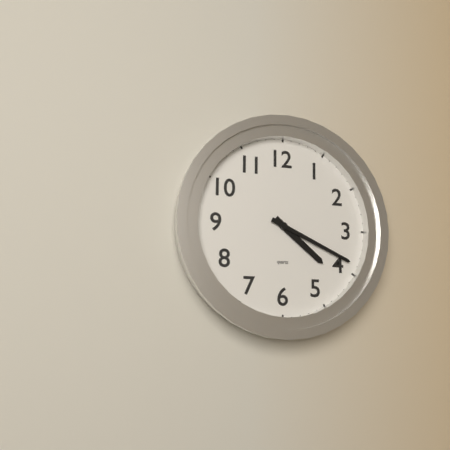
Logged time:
h=4 m=19
